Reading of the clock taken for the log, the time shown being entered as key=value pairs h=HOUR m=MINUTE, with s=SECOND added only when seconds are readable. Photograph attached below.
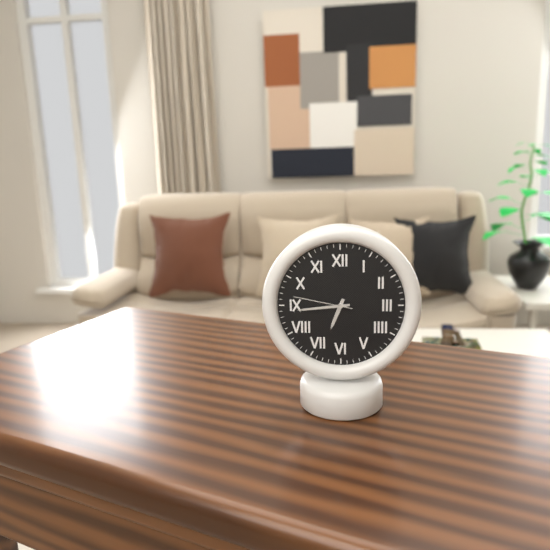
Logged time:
h=6 m=44 s=47
